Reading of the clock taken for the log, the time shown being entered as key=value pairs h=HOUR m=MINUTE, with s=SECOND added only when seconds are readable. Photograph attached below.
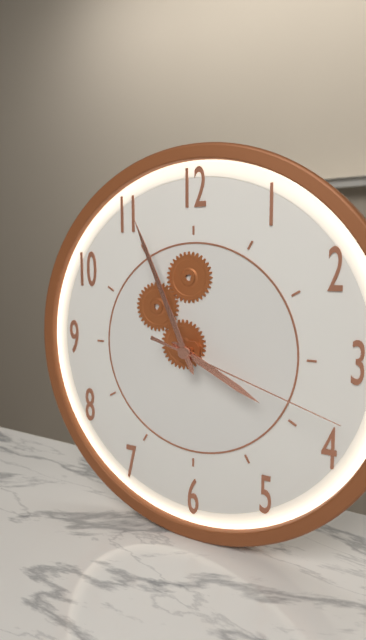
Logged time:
h=3 m=56 s=18
